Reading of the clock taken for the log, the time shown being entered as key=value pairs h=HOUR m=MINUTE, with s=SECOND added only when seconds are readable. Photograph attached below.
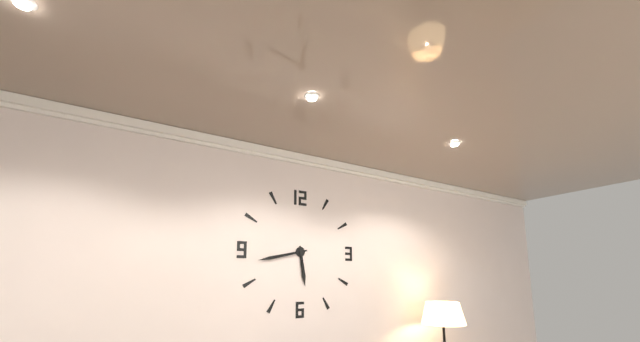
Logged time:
h=5 m=43
